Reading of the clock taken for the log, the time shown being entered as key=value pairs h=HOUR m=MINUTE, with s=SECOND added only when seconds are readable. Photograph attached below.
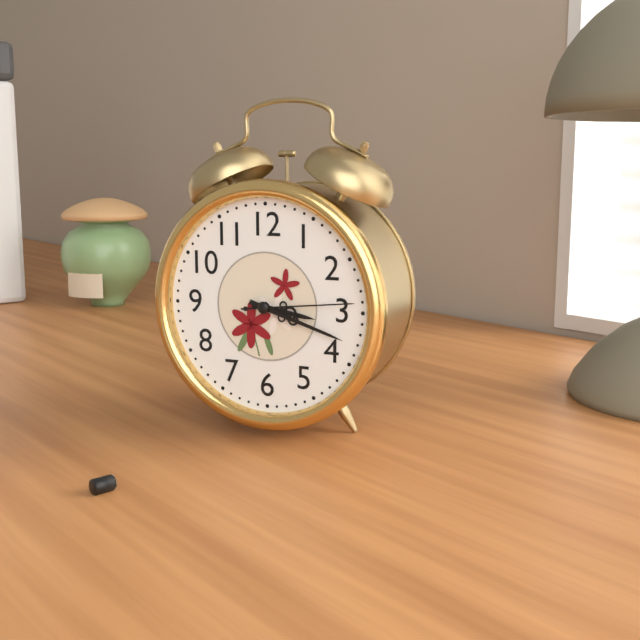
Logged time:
h=3 m=18 s=14
